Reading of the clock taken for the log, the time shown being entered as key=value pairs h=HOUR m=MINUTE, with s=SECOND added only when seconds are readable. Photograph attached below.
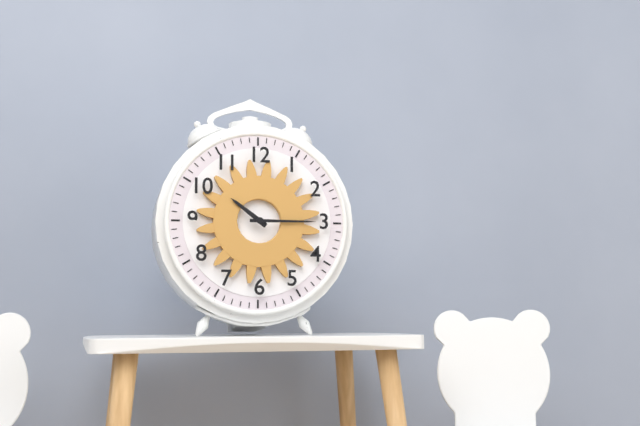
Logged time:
h=10 m=15
